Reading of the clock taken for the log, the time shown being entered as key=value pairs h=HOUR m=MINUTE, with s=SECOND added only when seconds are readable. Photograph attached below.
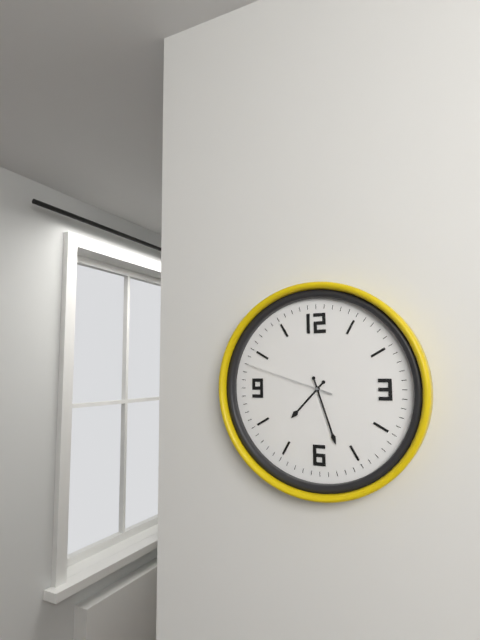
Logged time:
h=7 m=27 s=48
